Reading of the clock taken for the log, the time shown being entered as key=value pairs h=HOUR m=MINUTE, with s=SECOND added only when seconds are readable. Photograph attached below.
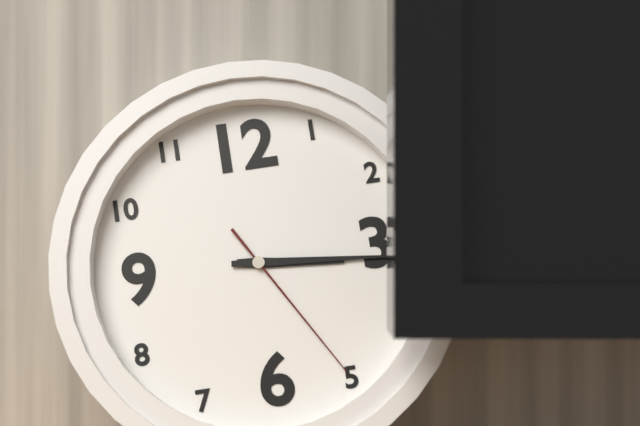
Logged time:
h=3 m=16 s=25
